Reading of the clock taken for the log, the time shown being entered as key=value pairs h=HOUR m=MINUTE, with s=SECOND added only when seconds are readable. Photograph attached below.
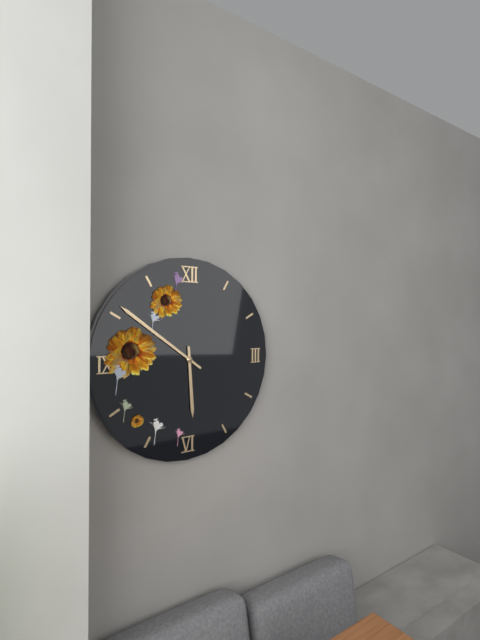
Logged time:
h=5 m=51
